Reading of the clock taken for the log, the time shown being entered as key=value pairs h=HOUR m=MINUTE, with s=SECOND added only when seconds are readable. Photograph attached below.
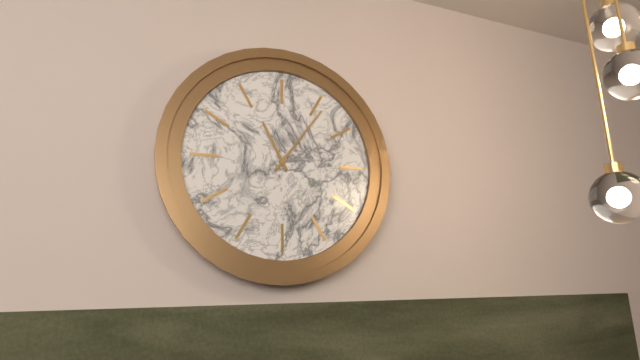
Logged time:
h=11 m=6
